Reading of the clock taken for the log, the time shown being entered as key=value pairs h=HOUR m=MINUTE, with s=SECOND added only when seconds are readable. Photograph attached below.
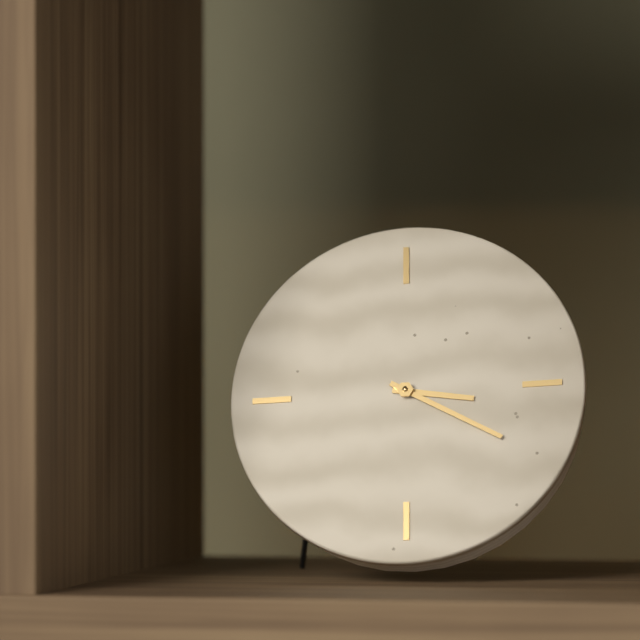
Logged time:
h=3 m=20
